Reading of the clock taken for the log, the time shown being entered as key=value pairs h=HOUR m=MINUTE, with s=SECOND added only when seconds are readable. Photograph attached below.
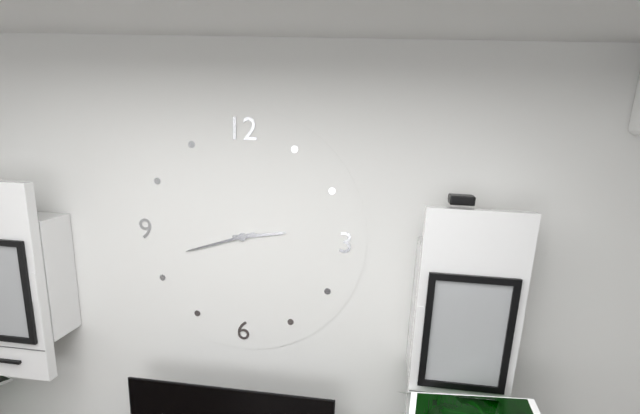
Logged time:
h=2 m=42
